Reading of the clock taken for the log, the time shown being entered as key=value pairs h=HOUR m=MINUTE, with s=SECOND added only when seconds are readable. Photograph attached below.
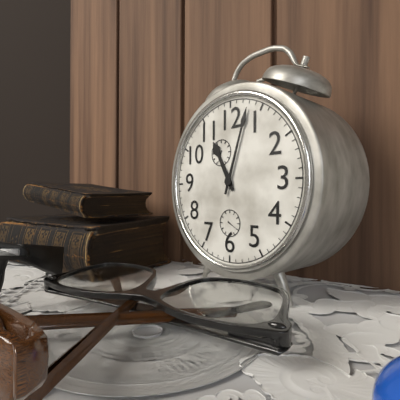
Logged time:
h=11 m=3
